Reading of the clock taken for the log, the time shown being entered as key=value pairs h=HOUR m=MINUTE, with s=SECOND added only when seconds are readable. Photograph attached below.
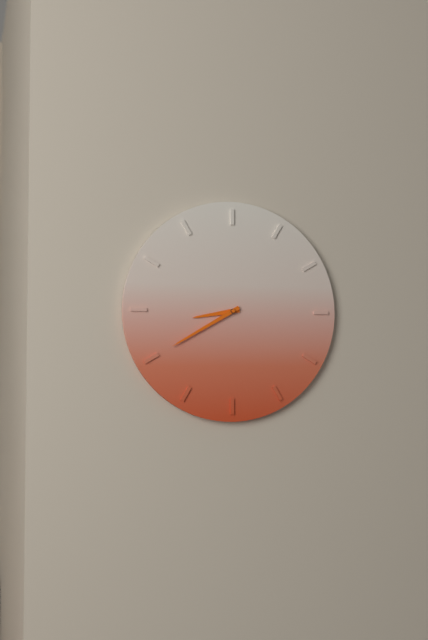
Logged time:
h=8 m=40
